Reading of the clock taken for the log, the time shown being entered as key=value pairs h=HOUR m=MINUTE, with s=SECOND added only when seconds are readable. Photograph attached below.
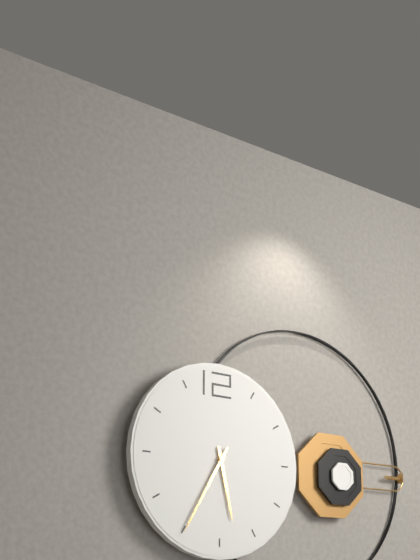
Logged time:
h=5 m=35
